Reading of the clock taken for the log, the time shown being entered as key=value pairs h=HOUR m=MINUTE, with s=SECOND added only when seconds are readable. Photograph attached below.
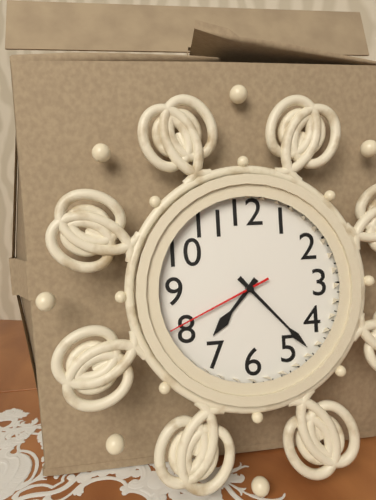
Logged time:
h=7 m=23 s=41
